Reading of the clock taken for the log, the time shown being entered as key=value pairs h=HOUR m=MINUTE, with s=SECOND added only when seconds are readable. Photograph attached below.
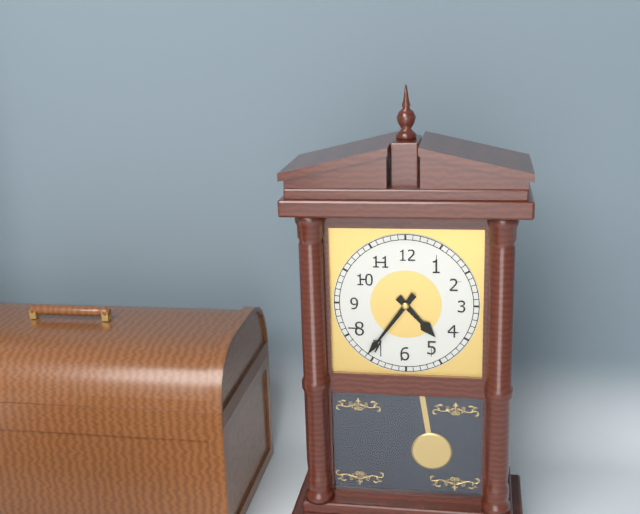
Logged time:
h=4 m=36
